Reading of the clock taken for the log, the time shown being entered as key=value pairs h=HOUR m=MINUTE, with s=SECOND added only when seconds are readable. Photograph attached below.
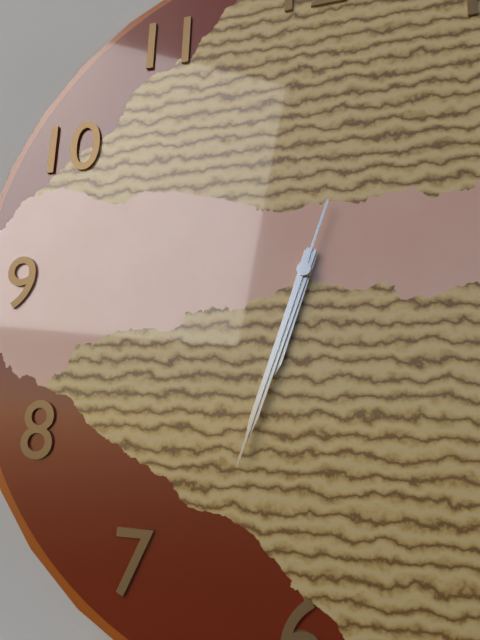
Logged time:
h=6 m=33 s=33
